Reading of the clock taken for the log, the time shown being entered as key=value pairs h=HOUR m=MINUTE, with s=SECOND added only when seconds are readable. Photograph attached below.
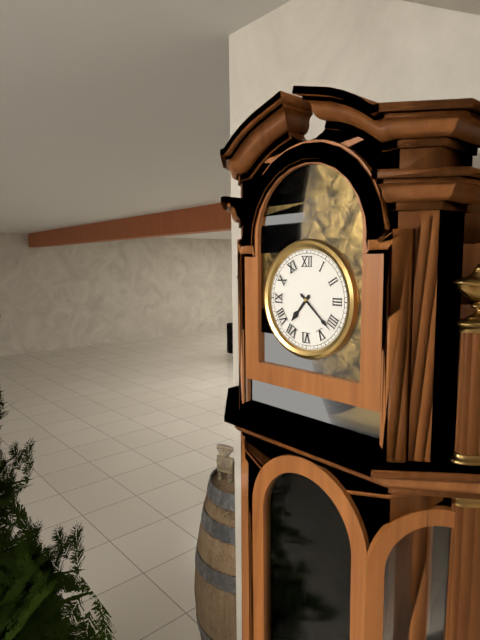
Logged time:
h=7 m=22
